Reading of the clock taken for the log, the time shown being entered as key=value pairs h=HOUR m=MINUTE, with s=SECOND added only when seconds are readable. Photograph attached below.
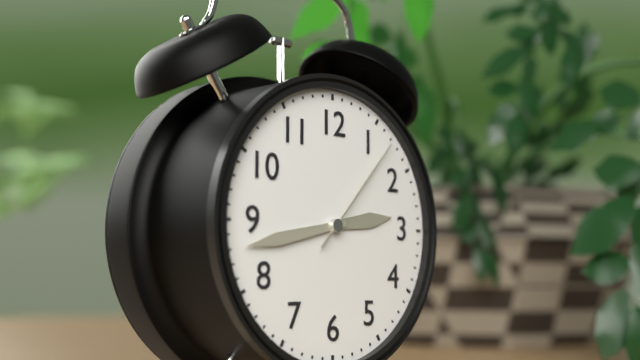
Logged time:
h=2 m=43 s=7
